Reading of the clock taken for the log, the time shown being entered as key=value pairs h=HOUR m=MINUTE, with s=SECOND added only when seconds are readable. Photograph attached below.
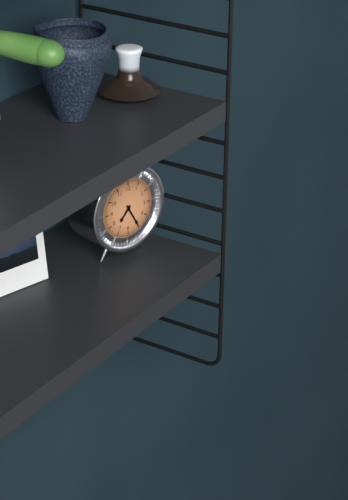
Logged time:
h=7 m=25
